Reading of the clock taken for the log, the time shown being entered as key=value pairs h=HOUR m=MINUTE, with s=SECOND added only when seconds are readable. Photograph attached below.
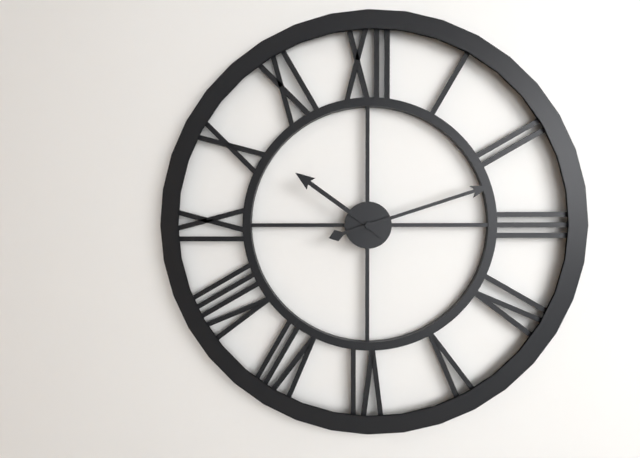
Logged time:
h=10 m=12
